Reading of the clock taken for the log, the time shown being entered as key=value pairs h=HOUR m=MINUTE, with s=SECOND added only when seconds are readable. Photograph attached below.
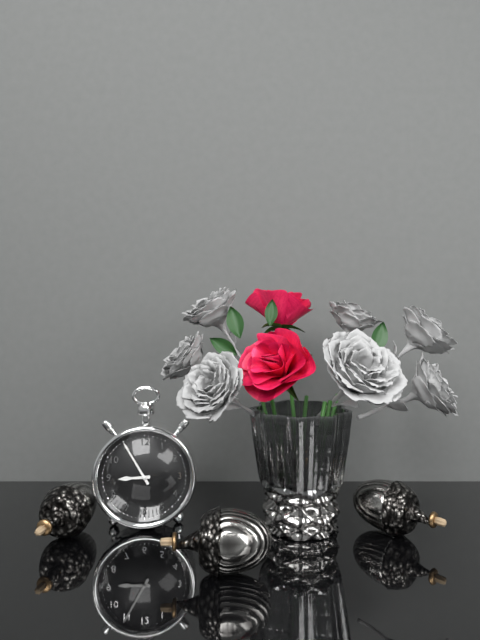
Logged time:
h=8 m=55
